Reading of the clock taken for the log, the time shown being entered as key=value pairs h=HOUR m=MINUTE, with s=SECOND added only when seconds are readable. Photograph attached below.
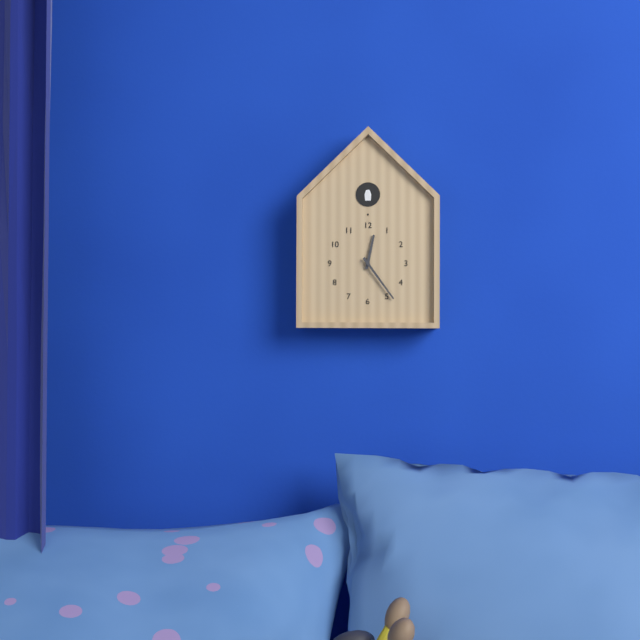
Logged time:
h=12 m=24
